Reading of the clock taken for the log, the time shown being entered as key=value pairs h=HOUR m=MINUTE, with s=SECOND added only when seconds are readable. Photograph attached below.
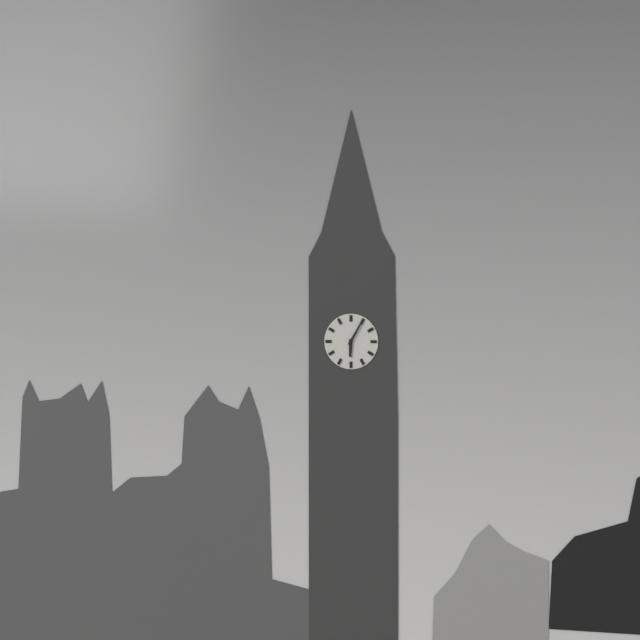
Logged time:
h=6 m=5
